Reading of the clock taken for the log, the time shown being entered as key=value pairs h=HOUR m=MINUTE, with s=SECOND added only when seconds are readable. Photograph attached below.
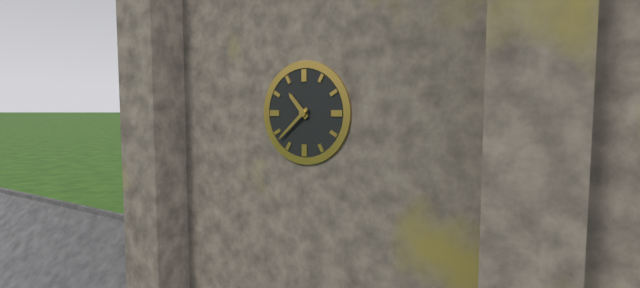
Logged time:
h=10 m=38
